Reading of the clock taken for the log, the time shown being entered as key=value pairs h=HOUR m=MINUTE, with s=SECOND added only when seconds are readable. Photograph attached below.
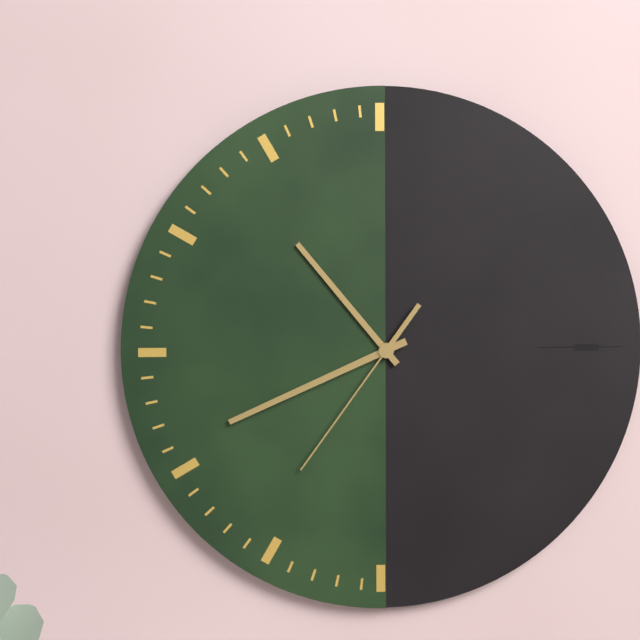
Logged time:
h=10 m=41 s=36
